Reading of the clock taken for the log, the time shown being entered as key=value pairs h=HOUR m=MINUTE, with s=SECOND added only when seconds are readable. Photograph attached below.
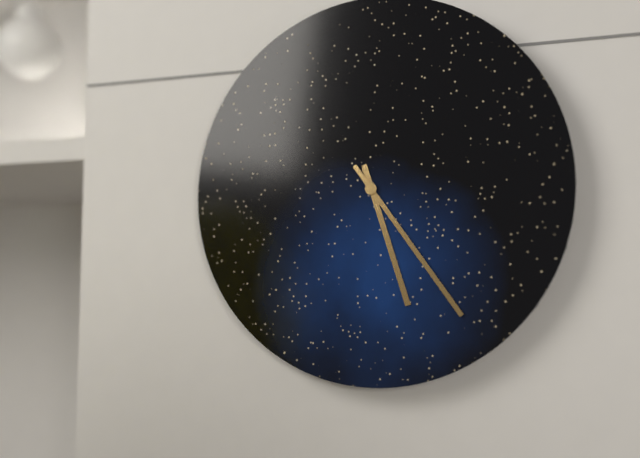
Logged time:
h=5 m=24
